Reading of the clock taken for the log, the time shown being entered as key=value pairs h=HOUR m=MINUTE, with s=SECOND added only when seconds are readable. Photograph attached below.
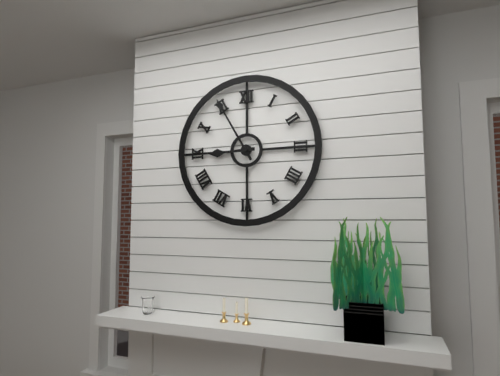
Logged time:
h=8 m=55
